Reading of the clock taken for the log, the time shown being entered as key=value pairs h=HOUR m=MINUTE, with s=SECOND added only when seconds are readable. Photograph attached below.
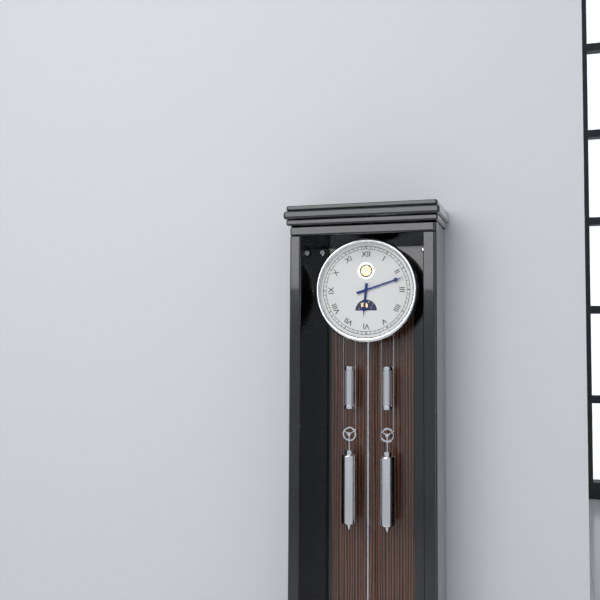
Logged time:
h=6 m=12
